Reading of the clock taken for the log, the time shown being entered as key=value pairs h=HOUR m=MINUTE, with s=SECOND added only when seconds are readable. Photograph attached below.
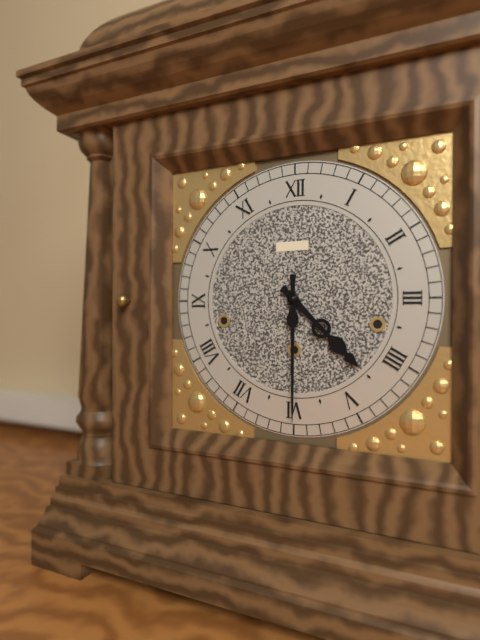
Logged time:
h=4 m=30
